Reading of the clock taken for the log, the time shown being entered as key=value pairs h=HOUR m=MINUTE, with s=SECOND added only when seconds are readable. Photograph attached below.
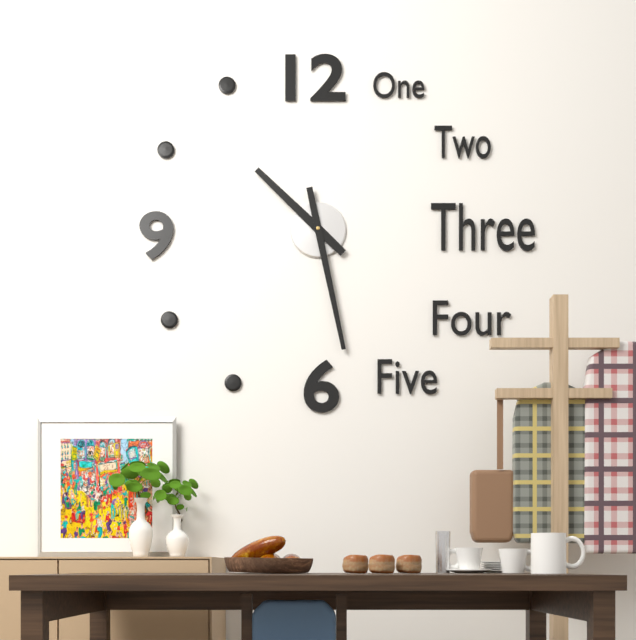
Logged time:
h=10 m=28
